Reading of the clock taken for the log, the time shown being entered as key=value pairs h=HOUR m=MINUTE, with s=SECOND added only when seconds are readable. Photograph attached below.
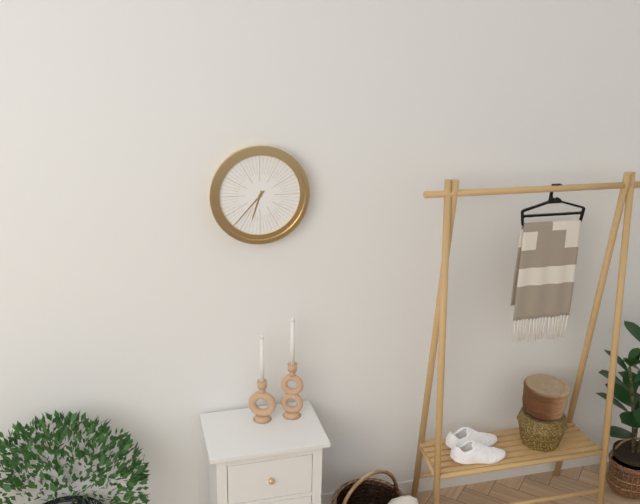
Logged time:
h=6 m=37
